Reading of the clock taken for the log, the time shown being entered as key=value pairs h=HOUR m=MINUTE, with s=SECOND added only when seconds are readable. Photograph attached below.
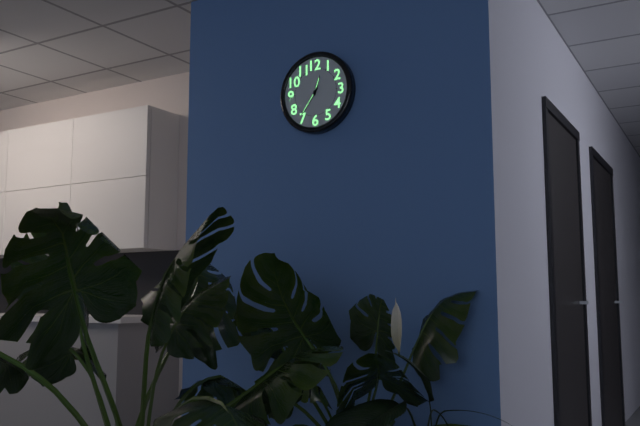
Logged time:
h=12 m=36
